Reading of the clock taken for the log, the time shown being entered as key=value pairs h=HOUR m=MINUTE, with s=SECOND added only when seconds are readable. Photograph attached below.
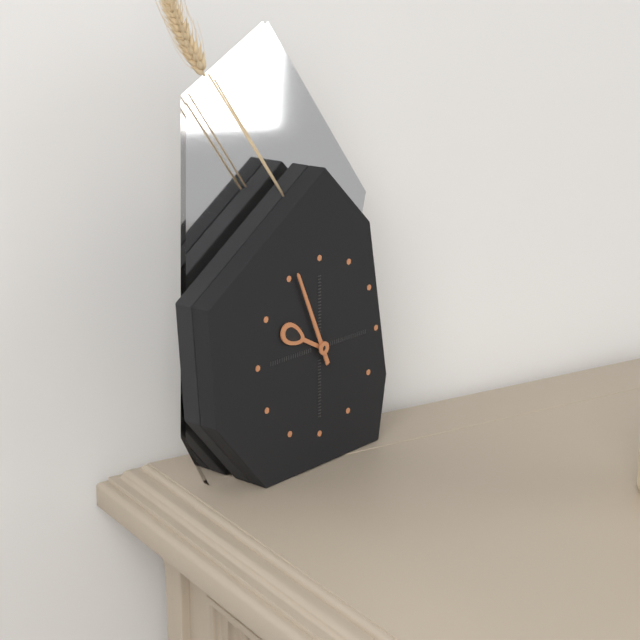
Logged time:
h=9 m=56
